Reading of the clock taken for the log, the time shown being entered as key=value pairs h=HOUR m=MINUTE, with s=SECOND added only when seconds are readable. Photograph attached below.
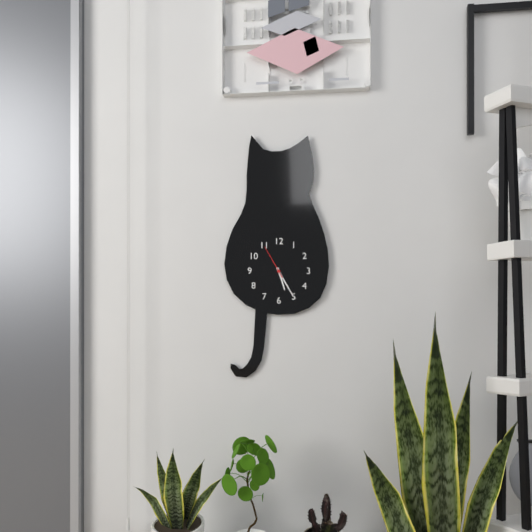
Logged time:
h=5 m=25
